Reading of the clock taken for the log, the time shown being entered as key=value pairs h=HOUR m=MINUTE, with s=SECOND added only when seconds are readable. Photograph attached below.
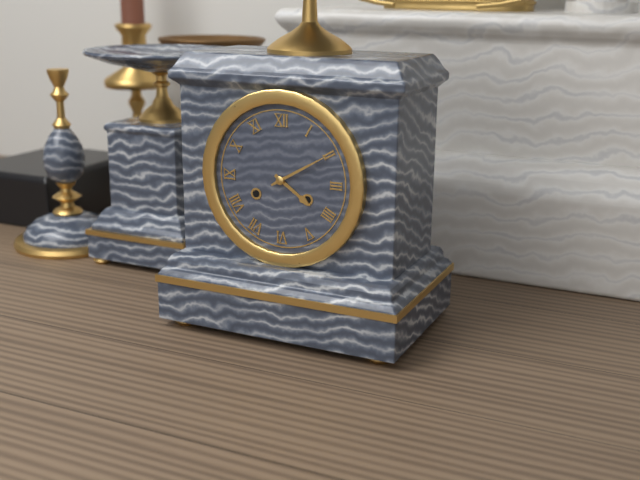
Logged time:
h=4 m=10
